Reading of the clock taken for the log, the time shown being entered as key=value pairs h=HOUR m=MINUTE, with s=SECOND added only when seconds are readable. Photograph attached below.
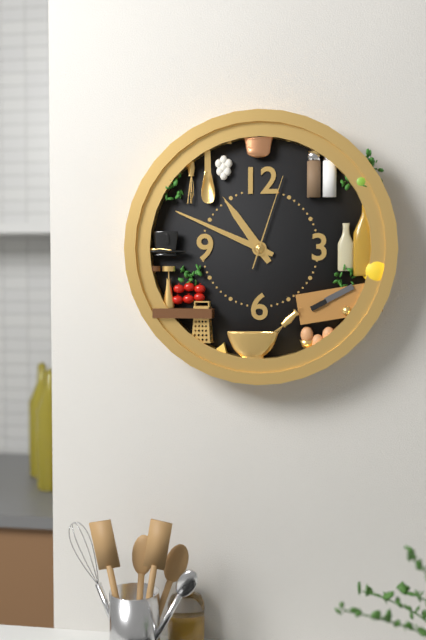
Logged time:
h=10 m=49 s=3
